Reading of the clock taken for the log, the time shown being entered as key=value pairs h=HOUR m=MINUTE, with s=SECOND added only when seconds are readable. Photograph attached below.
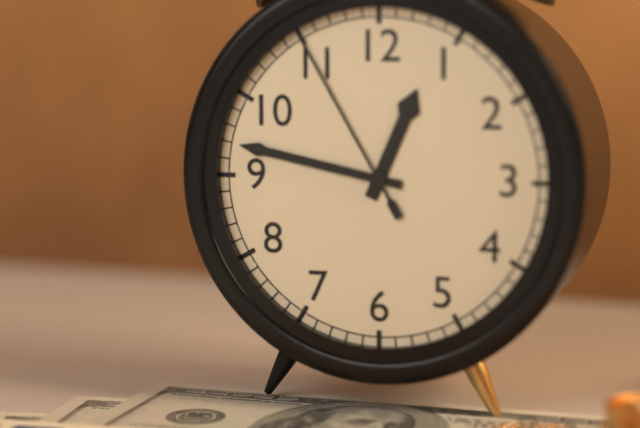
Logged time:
h=12 m=47 s=55
